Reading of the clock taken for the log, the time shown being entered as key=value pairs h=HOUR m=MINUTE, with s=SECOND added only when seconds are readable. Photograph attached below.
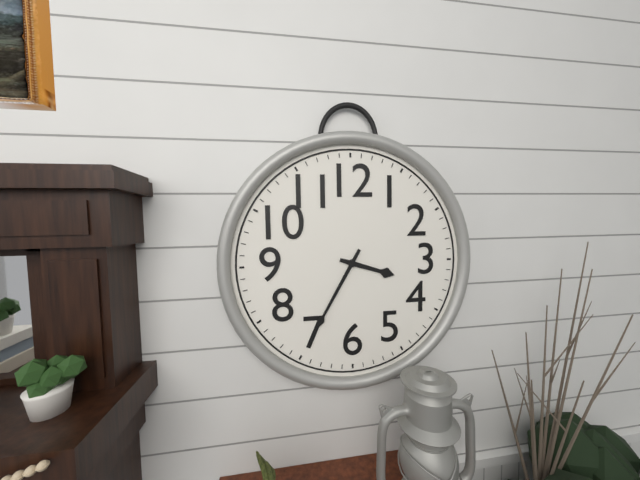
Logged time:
h=3 m=35
